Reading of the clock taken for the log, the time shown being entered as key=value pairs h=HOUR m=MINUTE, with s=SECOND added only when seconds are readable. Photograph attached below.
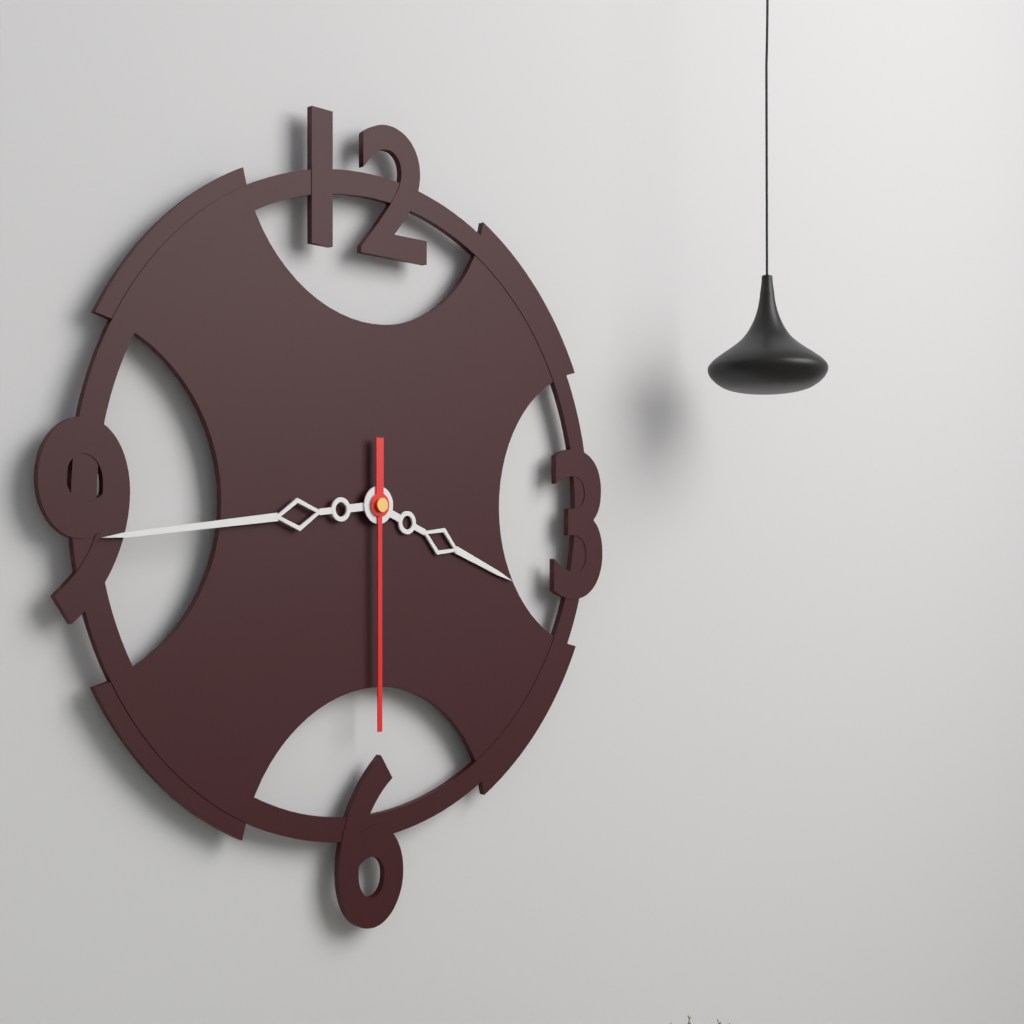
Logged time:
h=3 m=44 s=30
